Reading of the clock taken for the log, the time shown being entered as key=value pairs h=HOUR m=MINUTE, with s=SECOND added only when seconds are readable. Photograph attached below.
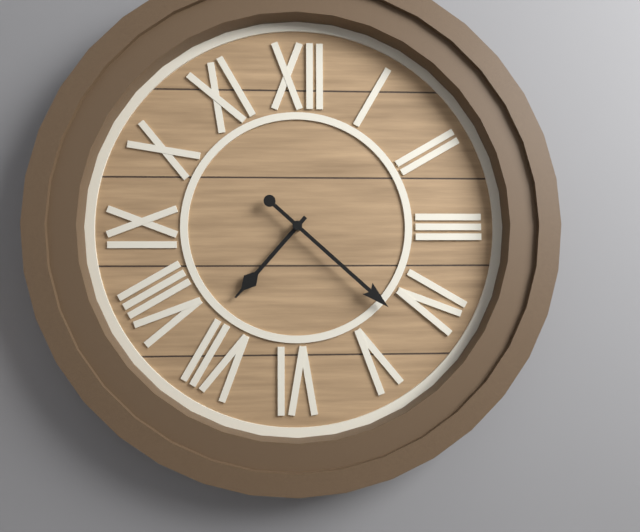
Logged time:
h=7 m=22
